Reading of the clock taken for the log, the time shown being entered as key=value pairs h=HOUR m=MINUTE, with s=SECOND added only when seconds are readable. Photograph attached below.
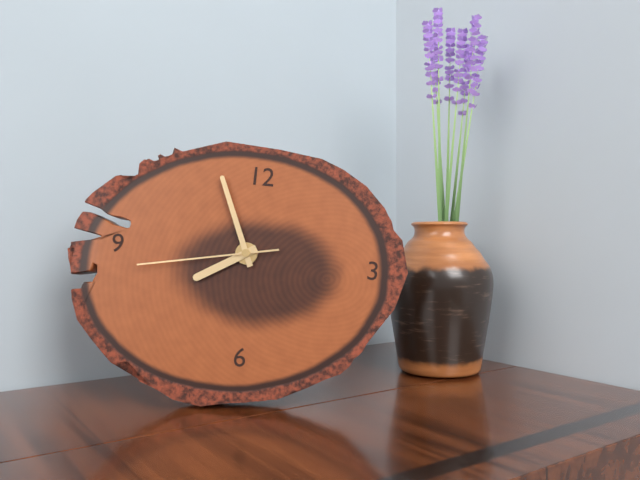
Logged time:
h=7 m=56 s=43
